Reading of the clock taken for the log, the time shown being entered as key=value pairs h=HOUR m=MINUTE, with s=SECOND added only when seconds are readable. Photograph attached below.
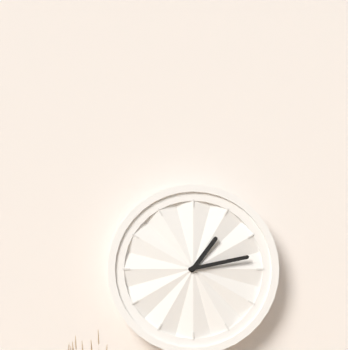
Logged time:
h=1 m=13
